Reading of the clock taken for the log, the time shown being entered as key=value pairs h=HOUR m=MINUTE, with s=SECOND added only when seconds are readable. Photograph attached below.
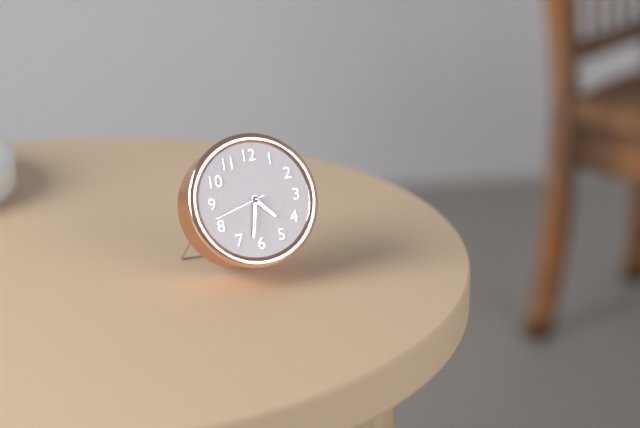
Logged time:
h=4 m=32 s=42
